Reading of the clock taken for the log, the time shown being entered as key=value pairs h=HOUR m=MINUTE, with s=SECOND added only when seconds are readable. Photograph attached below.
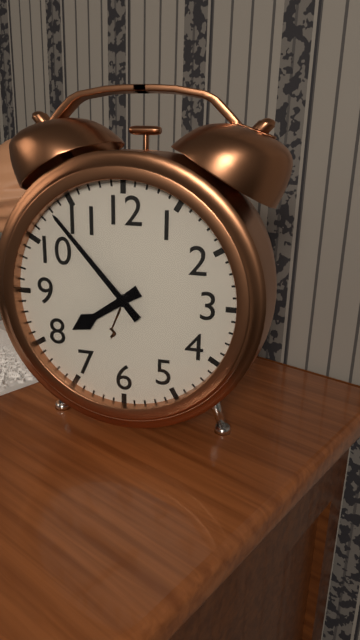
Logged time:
h=7 m=53
